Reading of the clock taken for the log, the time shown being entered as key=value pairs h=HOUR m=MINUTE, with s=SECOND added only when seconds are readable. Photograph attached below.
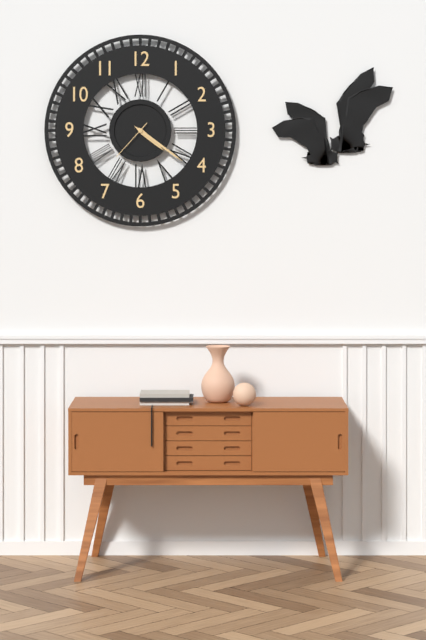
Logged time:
h=4 m=21
